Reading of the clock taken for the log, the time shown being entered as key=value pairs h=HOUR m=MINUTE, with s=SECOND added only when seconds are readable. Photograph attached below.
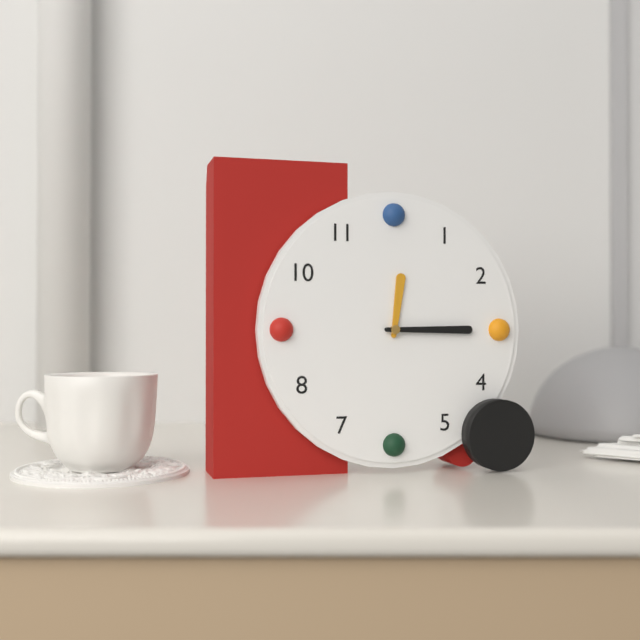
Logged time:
h=12 m=15
